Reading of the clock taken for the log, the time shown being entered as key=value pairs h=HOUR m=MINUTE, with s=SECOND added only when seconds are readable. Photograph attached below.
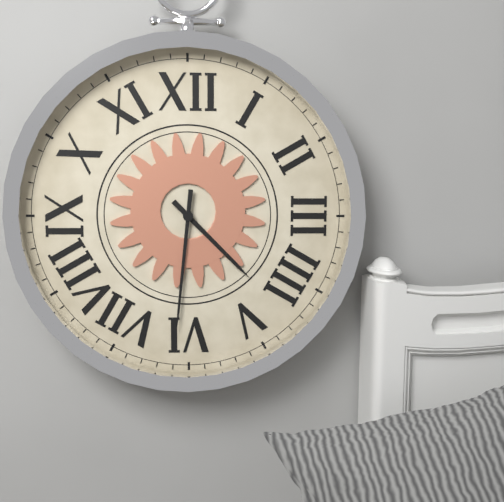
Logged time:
h=4 m=31
